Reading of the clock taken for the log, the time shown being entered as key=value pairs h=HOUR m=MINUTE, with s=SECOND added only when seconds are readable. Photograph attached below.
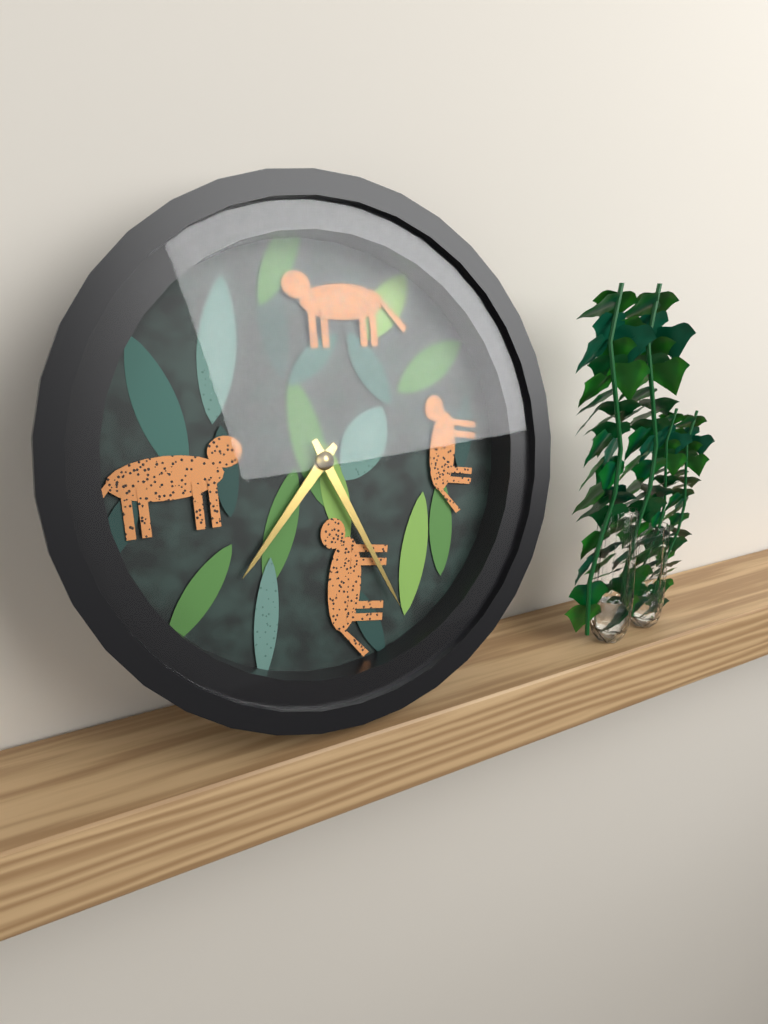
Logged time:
h=7 m=26
